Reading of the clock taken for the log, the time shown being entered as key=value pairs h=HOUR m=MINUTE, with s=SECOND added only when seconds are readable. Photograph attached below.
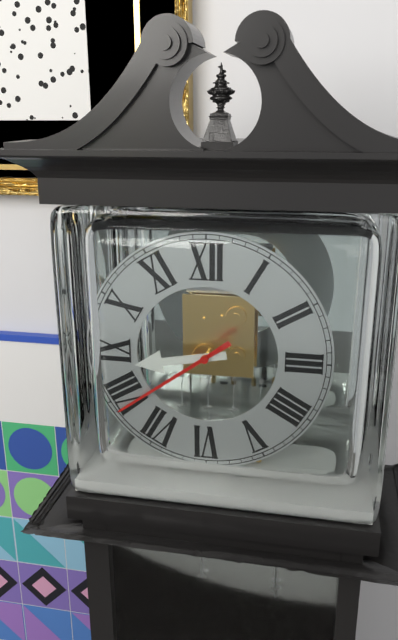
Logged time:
h=8 m=39
